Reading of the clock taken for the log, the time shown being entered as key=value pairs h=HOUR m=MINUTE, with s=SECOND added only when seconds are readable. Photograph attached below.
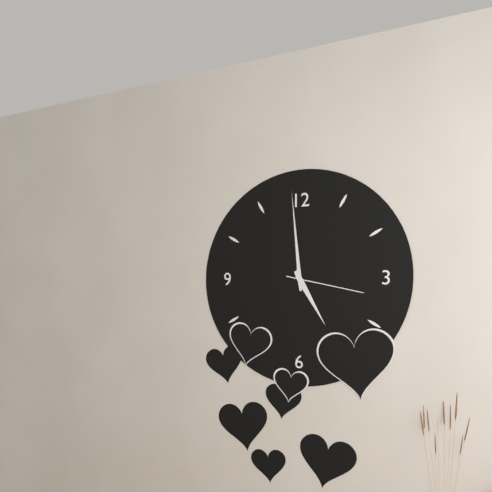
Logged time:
h=4 m=59 s=17
